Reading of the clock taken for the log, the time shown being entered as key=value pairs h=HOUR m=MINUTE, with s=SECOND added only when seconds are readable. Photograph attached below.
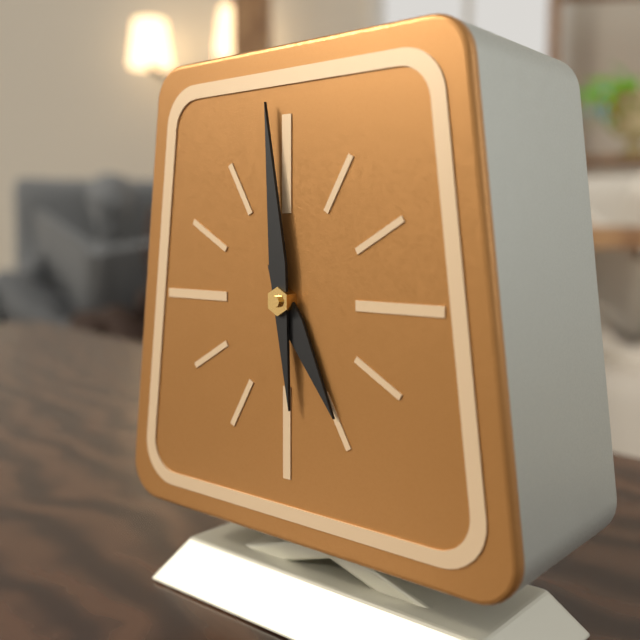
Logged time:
h=4 m=59
